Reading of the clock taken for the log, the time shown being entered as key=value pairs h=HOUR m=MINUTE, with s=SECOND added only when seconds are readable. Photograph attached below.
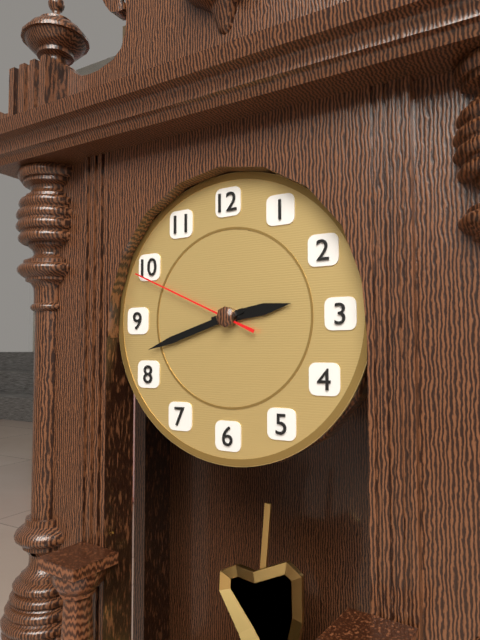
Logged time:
h=2 m=42 s=49
